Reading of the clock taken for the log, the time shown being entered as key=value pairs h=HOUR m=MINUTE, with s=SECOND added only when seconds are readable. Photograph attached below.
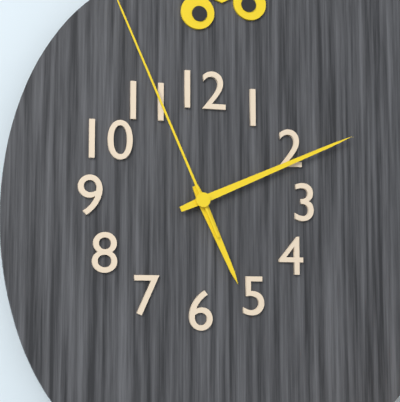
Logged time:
h=5 m=11
